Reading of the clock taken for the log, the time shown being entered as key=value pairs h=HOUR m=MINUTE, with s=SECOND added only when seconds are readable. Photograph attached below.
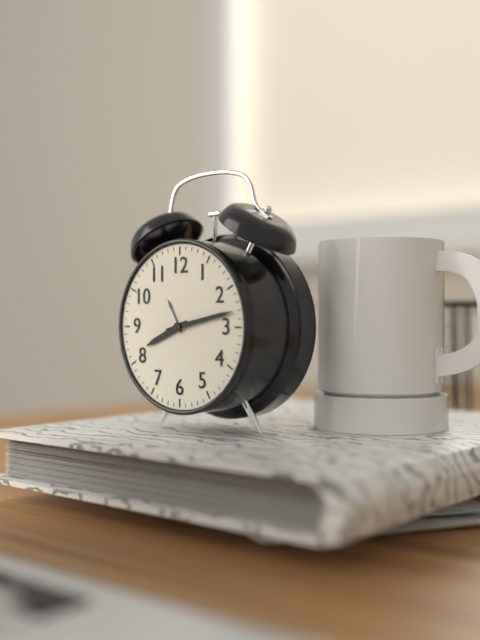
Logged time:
h=8 m=13
